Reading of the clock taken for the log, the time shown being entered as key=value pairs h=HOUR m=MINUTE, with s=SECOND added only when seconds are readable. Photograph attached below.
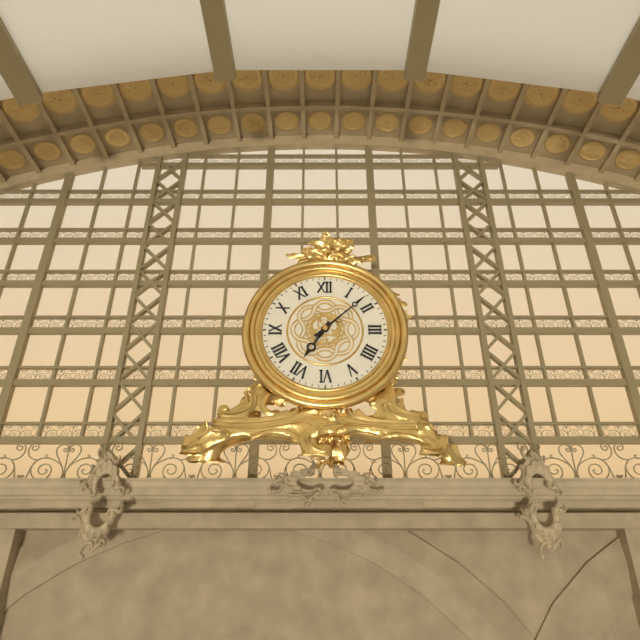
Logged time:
h=7 m=8
